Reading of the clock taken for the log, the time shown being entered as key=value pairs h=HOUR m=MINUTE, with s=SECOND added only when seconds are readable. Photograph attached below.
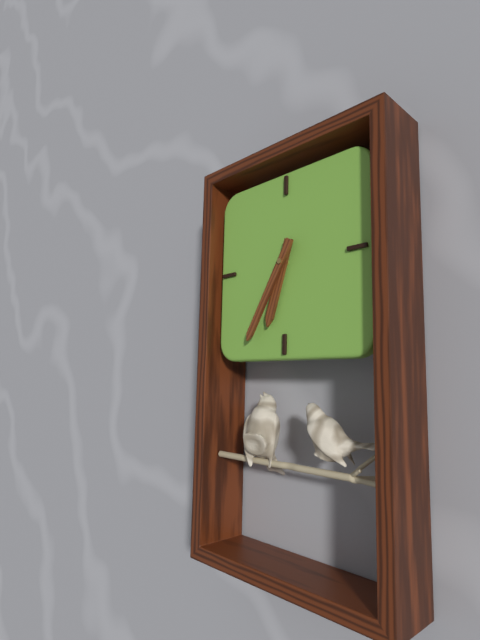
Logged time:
h=6 m=35
